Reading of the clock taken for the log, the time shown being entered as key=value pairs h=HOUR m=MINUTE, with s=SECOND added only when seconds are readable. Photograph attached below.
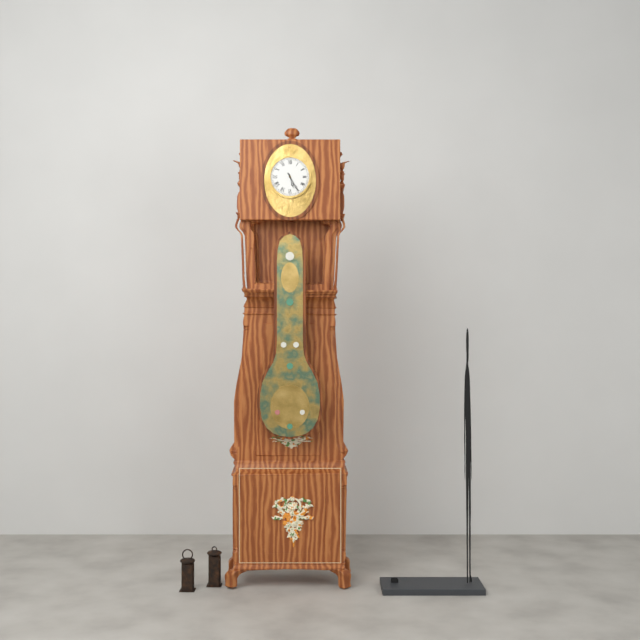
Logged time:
h=5 m=25
